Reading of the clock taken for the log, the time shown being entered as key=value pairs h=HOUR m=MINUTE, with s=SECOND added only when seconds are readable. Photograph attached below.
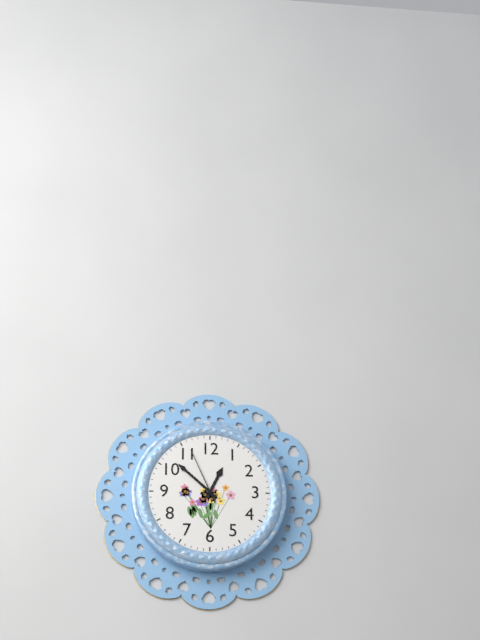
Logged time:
h=12 m=52 s=56
